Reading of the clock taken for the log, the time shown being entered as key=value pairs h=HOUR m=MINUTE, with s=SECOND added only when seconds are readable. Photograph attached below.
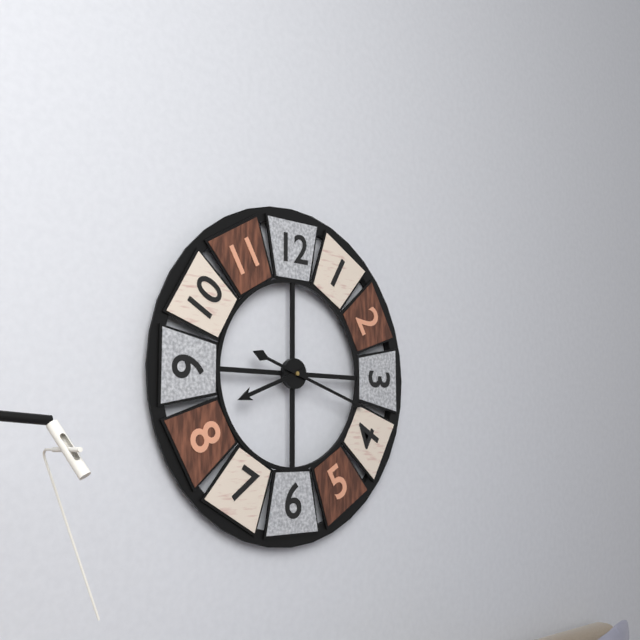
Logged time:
h=8 m=18
